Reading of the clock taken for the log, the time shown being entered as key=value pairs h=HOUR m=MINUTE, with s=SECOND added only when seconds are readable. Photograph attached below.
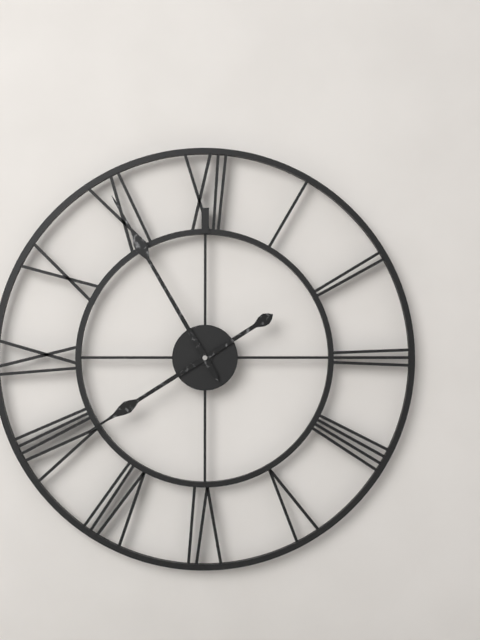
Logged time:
h=7 m=55
